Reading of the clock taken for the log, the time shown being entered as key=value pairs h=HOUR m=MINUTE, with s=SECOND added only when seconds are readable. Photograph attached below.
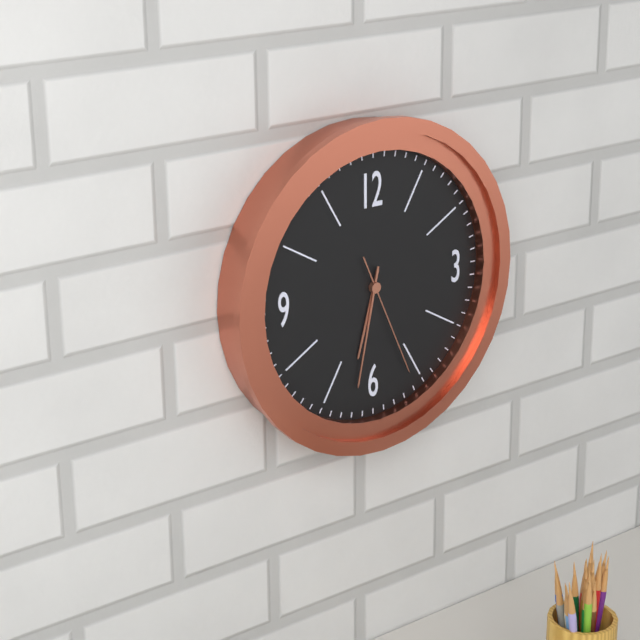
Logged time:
h=6 m=32 s=26
